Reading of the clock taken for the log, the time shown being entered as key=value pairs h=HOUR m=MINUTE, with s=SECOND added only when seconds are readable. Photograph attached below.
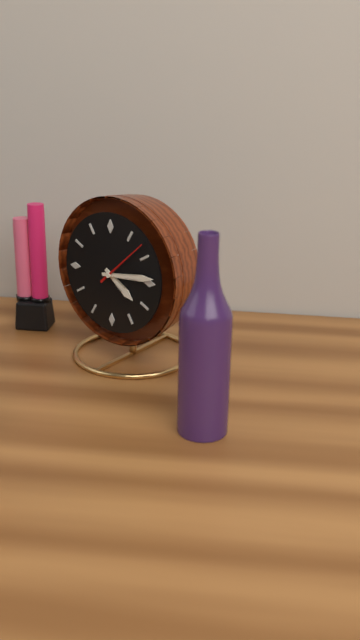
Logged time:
h=4 m=14
